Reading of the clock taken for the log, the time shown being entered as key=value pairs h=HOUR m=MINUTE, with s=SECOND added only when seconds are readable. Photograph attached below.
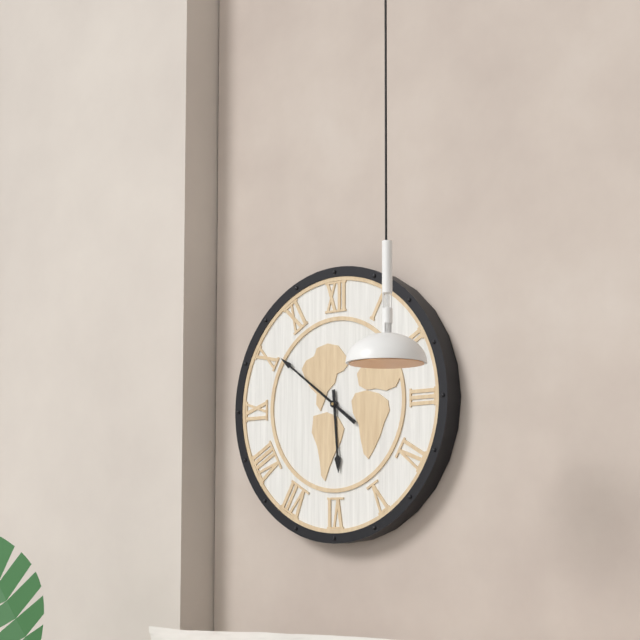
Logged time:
h=5 m=51
